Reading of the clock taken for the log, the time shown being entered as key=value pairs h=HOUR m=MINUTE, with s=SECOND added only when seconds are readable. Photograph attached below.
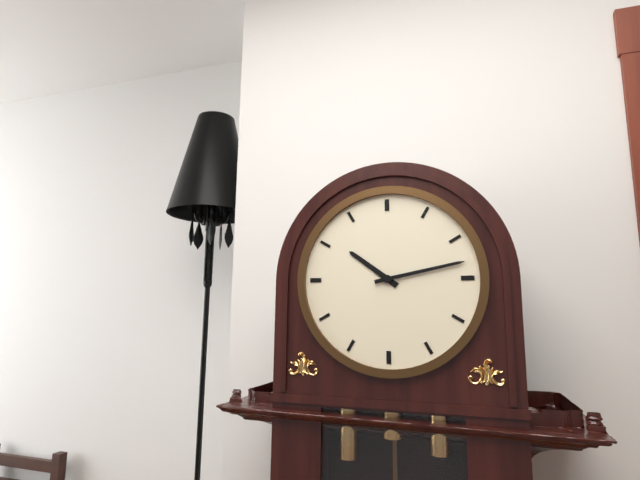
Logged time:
h=10 m=13
